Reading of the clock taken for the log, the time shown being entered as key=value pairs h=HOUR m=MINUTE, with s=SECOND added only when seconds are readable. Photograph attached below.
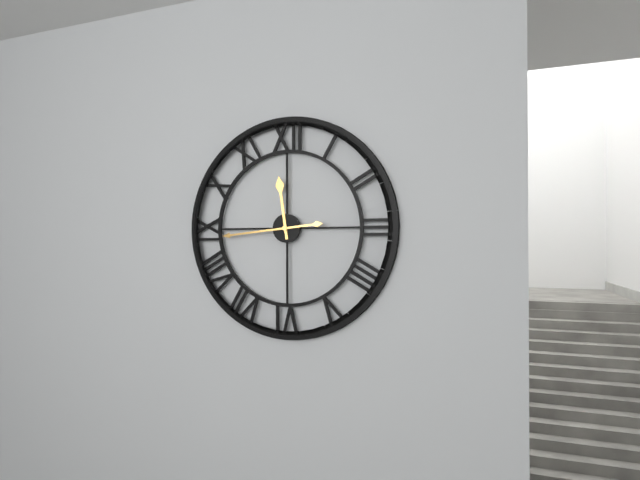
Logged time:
h=11 m=44
